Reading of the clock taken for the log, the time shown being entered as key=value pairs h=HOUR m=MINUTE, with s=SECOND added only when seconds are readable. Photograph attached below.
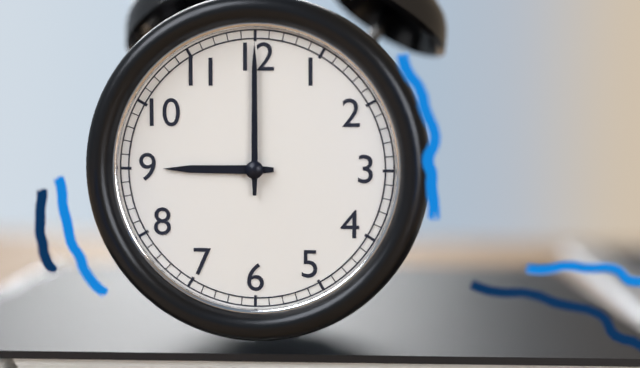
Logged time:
h=9 m=0
